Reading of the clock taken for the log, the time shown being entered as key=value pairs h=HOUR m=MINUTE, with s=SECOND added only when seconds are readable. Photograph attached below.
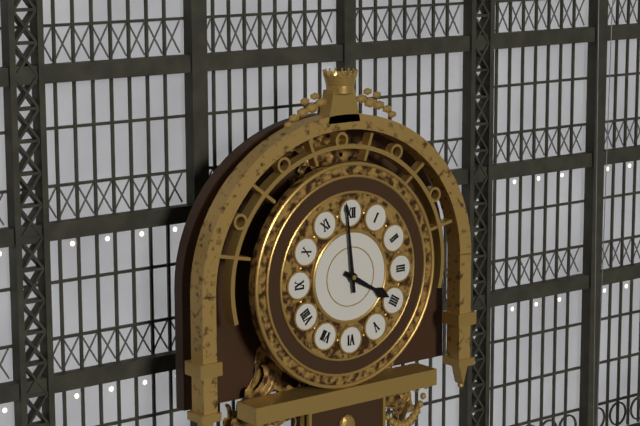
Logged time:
h=3 m=59
